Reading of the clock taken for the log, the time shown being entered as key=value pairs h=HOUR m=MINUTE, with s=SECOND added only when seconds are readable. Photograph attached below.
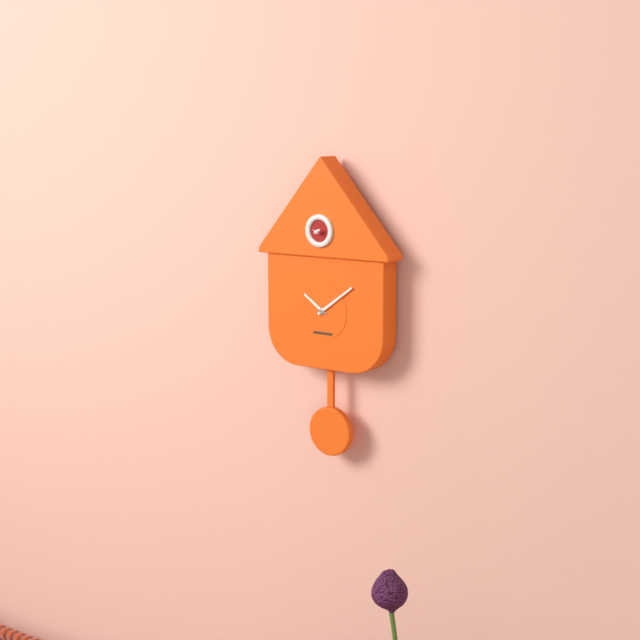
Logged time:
h=10 m=9
